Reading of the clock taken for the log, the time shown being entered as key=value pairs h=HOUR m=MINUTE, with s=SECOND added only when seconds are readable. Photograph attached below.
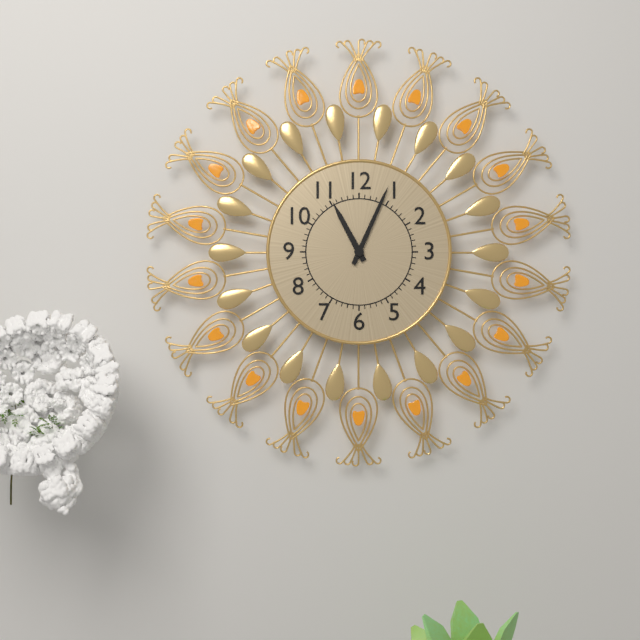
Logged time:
h=11 m=4
